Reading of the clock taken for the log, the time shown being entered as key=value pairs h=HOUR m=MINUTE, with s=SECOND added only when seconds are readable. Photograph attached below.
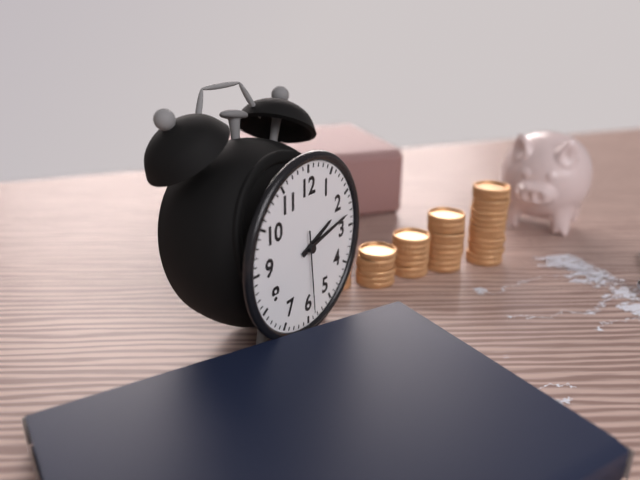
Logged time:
h=2 m=13 s=29
